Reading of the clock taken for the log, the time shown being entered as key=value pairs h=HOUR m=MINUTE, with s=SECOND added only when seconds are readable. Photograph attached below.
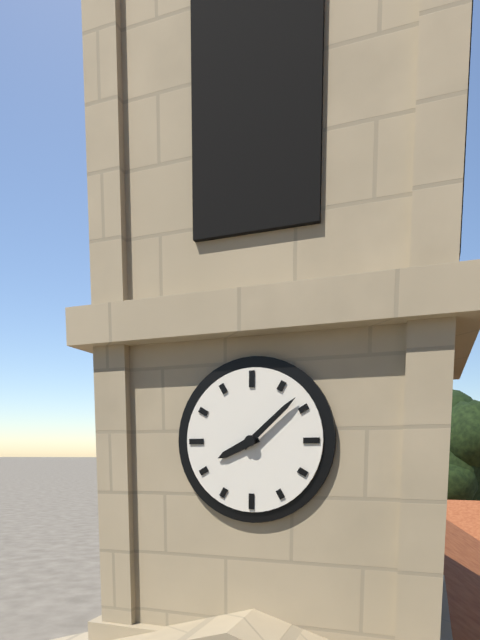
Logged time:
h=8 m=8
